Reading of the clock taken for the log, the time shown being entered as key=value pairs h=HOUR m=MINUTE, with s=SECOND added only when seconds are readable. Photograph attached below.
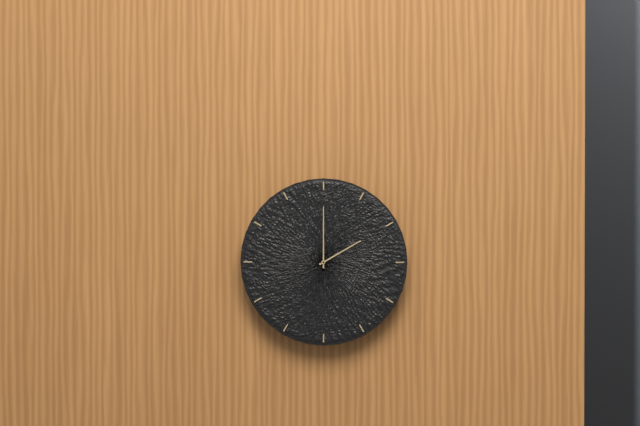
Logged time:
h=2 m=0
